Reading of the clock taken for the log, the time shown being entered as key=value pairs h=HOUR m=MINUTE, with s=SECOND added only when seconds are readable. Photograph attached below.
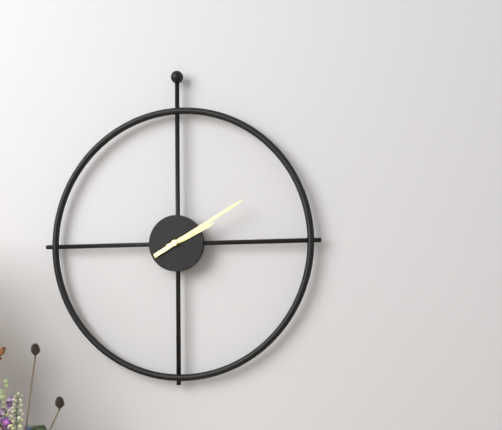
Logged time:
h=2 m=10
